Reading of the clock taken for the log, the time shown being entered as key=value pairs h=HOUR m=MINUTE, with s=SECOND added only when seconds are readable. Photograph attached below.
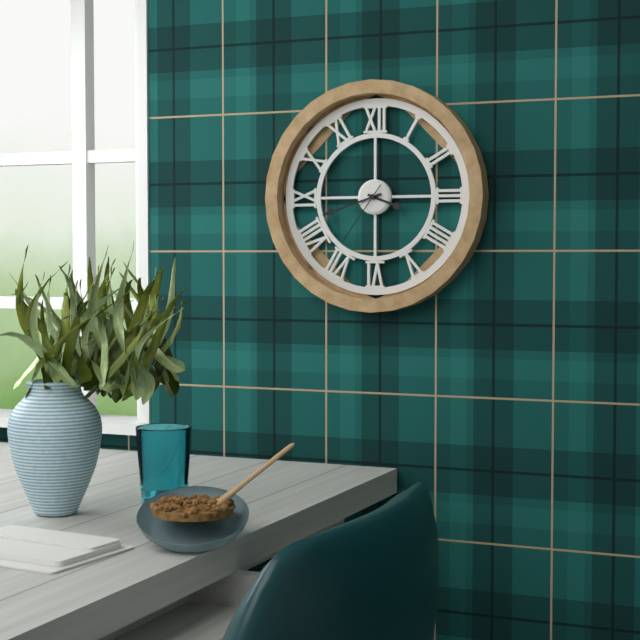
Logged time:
h=3 m=42 s=36
